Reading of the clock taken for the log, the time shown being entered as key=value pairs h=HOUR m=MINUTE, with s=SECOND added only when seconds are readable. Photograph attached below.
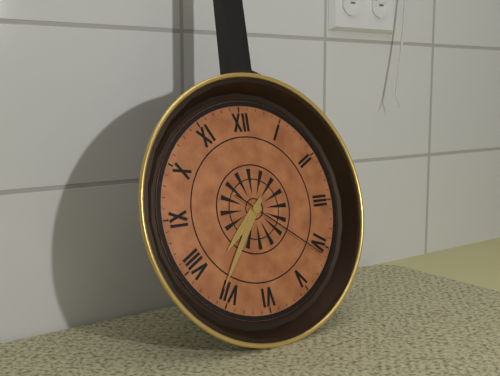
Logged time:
h=7 m=36 s=21
